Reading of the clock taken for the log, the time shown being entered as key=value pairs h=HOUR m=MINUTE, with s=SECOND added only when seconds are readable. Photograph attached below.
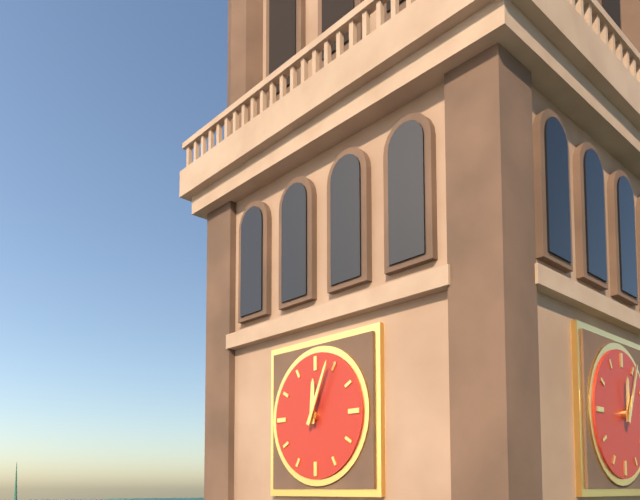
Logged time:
h=12 m=4
